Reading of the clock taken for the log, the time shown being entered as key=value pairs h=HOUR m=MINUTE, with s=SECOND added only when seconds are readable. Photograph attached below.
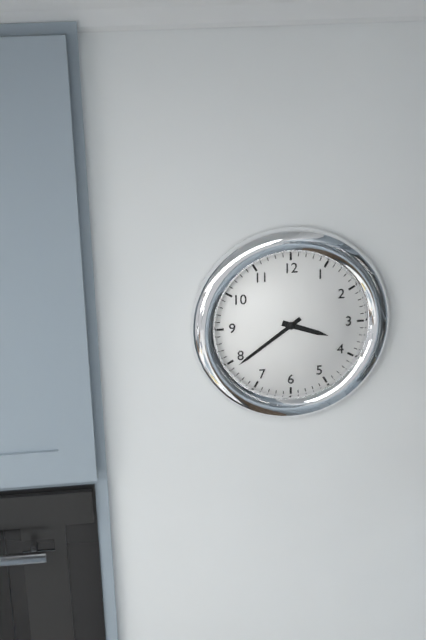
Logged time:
h=3 m=39
